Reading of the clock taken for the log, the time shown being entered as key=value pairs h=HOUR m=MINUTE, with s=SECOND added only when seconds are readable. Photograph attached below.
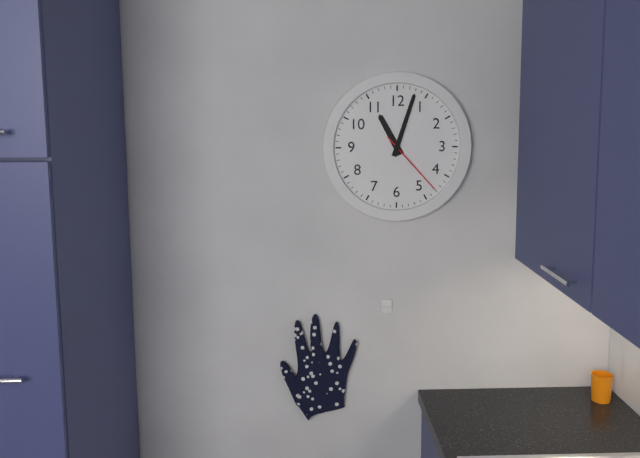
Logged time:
h=11 m=3 s=23
